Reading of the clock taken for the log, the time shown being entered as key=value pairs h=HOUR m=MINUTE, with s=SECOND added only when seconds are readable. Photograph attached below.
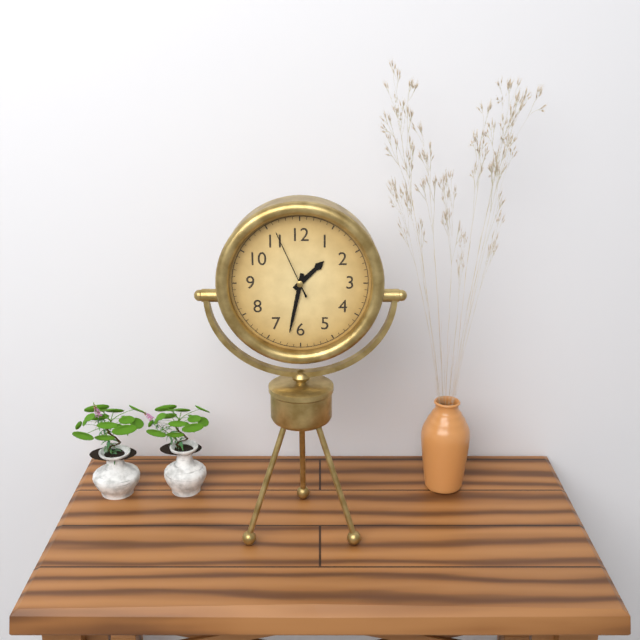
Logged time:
h=1 m=32 s=56
